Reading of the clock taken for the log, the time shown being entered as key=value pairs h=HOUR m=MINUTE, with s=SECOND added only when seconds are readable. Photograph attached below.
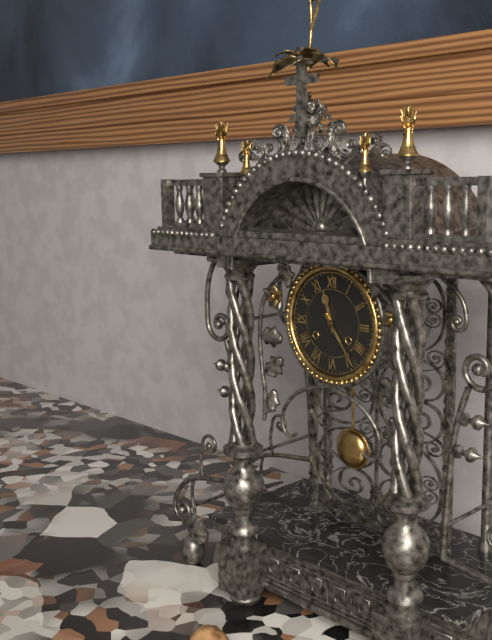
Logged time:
h=11 m=24
